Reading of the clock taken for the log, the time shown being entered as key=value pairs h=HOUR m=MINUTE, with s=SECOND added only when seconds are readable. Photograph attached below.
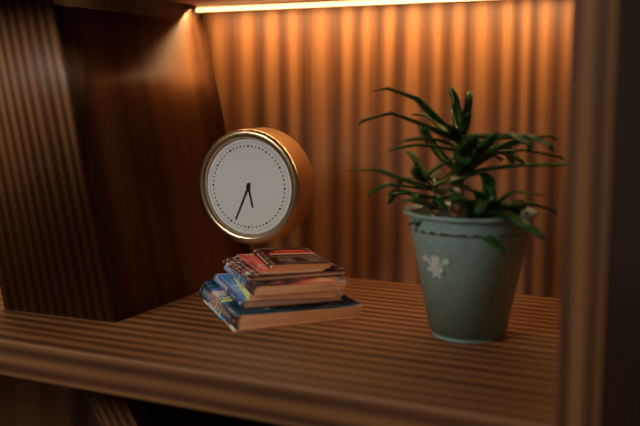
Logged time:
h=5 m=34
